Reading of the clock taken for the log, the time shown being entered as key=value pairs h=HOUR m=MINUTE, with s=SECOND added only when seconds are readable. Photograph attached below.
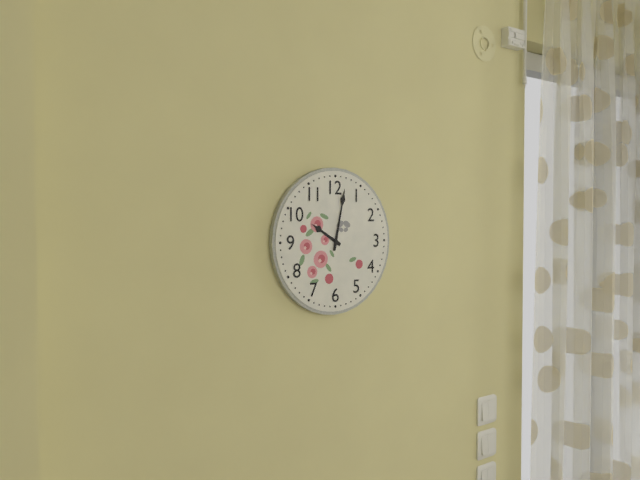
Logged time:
h=10 m=2
